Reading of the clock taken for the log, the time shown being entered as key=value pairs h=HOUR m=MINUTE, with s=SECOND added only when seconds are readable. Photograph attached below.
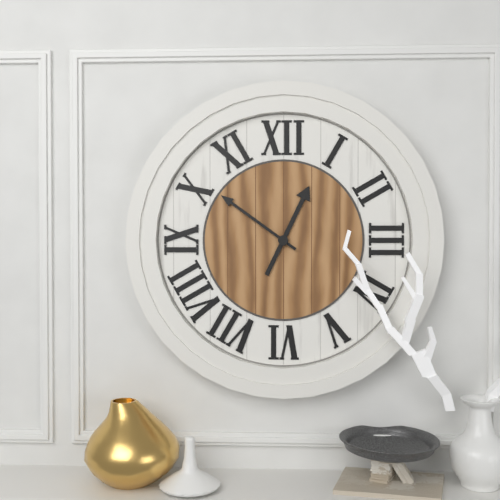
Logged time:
h=12 m=51
